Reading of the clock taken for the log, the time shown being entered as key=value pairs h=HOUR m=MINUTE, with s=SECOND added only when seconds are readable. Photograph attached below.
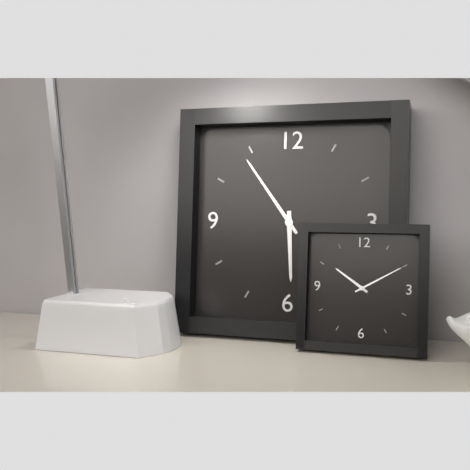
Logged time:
h=5 m=54
